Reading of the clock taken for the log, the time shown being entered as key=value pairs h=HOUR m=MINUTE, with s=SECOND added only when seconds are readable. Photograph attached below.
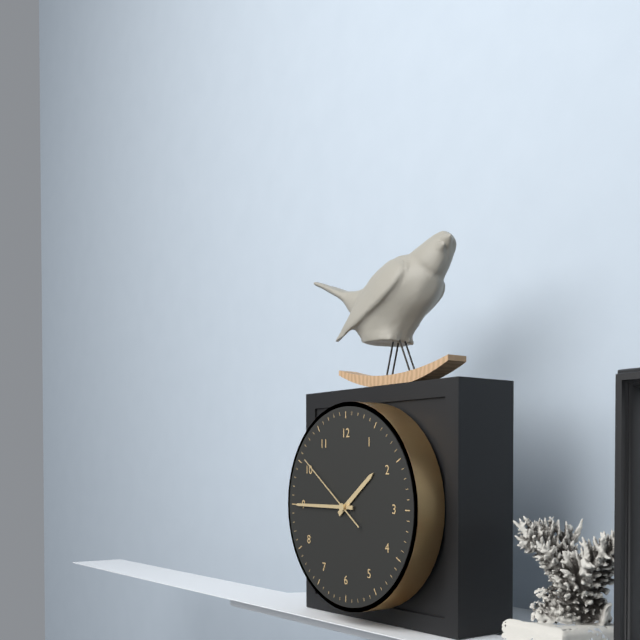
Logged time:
h=1 m=45 s=51
